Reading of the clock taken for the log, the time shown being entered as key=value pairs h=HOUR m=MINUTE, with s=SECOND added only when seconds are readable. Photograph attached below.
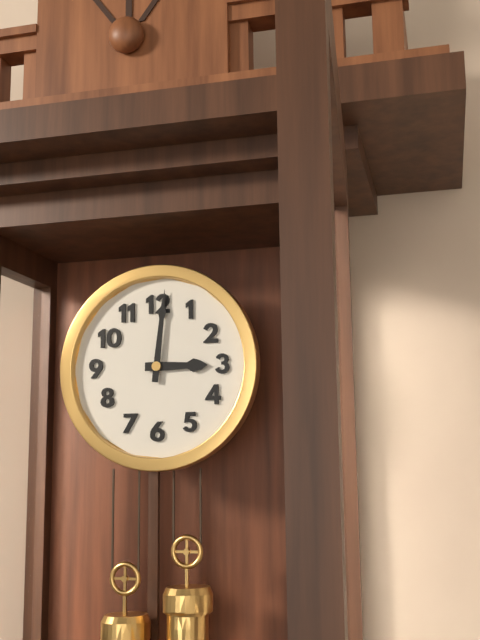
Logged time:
h=3 m=1
